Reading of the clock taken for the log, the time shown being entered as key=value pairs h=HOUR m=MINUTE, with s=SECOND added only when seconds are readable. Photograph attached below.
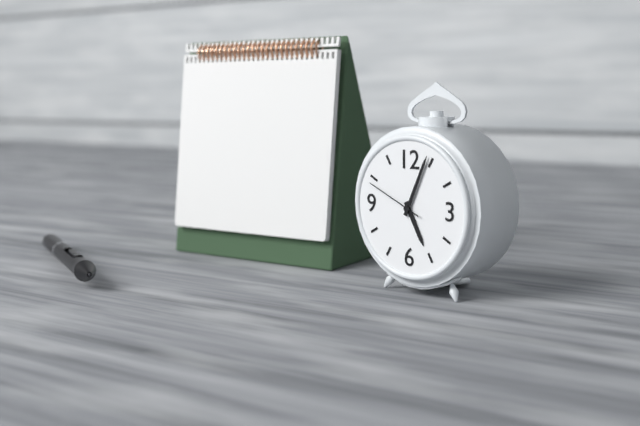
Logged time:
h=5 m=4 s=49
